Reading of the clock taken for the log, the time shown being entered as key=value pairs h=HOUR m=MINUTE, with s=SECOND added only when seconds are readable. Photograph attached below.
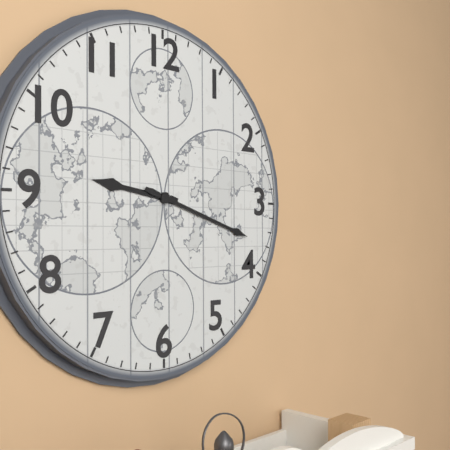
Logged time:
h=9 m=18
